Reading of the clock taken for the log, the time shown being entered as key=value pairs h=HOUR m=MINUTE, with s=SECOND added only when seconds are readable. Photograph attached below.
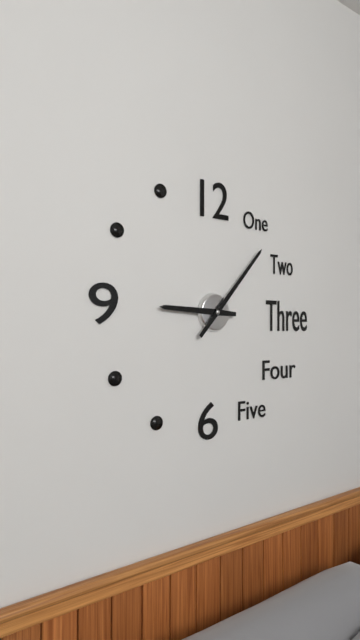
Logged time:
h=9 m=7
